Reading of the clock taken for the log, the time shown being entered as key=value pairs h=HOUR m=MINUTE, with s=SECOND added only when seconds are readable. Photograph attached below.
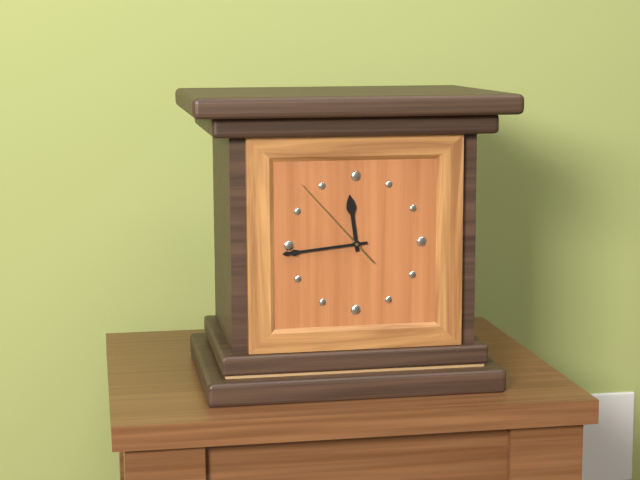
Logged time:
h=11 m=44 s=53
